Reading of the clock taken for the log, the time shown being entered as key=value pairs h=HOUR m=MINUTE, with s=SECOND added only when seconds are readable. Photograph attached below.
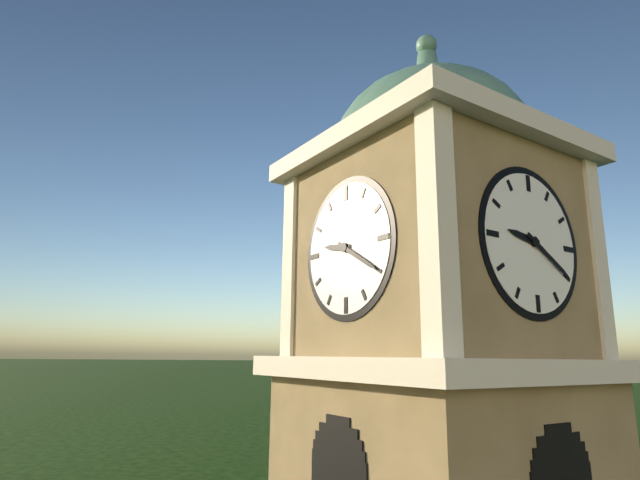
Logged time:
h=9 m=20
